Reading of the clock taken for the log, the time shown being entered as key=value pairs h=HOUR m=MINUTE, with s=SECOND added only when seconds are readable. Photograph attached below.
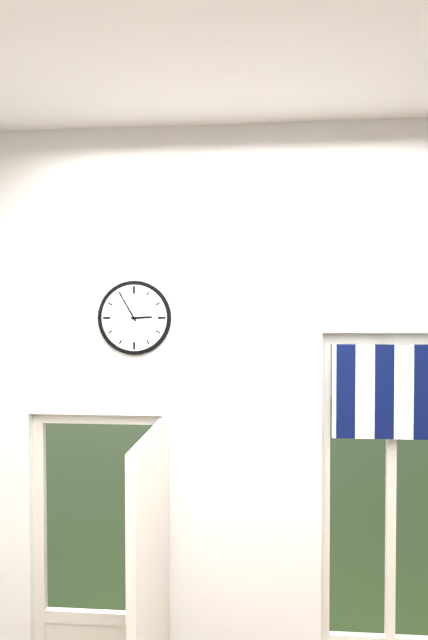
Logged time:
h=2 m=55
